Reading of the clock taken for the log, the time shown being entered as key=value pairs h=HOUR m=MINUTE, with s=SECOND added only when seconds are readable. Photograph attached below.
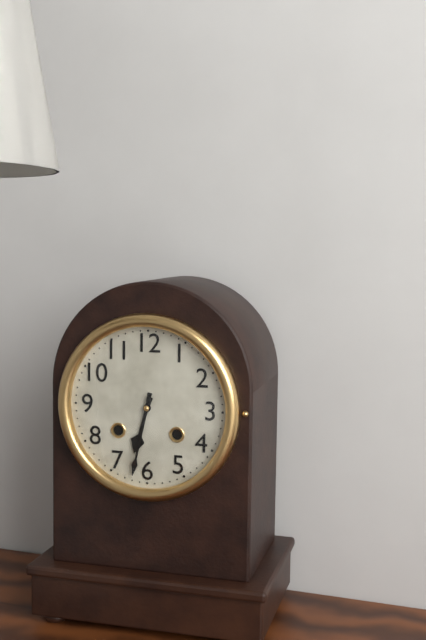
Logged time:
h=6 m=32
